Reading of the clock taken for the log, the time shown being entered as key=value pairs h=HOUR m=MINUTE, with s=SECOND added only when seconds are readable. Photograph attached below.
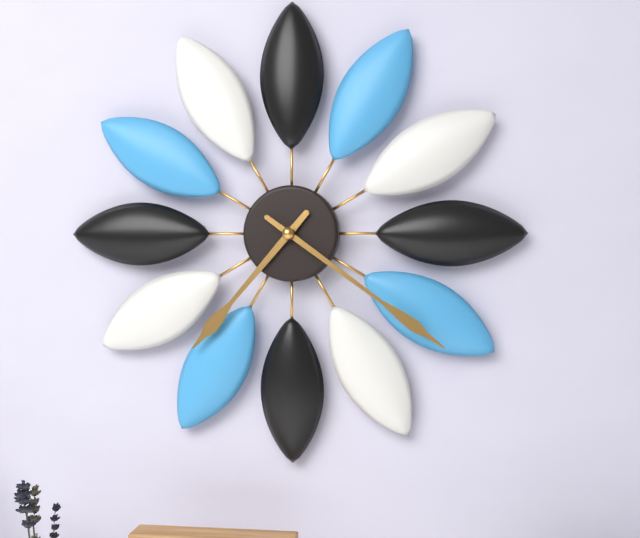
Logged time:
h=7 m=21
